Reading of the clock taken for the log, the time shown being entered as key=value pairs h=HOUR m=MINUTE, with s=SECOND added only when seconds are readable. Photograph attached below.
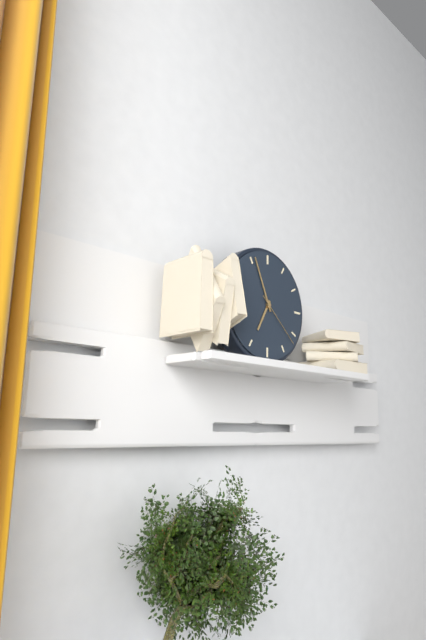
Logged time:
h=6 m=56 s=22
